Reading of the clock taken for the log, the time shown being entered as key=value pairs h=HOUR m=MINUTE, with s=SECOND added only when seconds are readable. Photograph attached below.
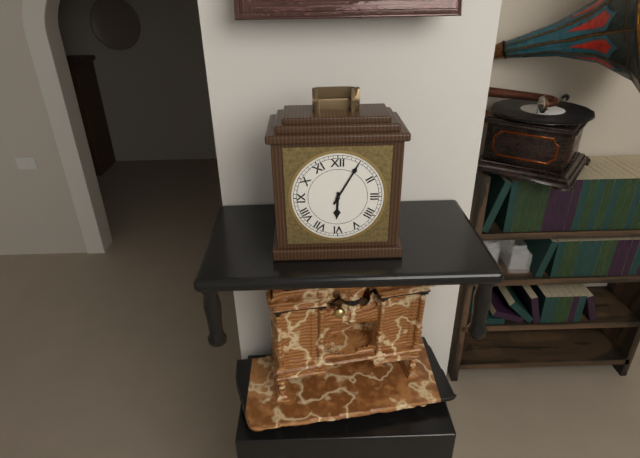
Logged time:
h=6 m=5
